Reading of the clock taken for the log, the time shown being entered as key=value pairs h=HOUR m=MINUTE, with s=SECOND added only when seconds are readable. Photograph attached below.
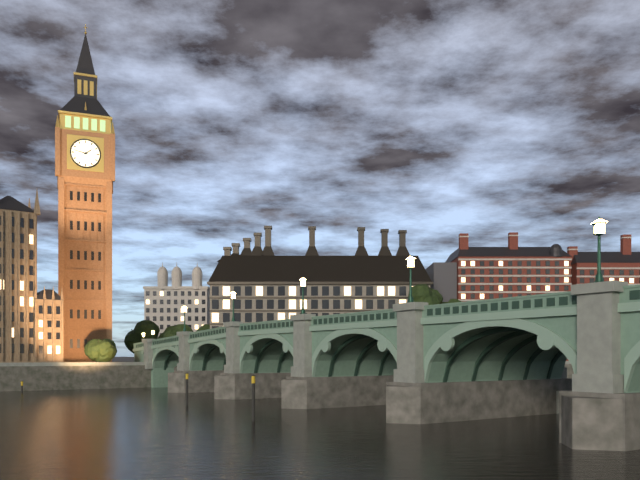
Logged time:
h=1 m=47
